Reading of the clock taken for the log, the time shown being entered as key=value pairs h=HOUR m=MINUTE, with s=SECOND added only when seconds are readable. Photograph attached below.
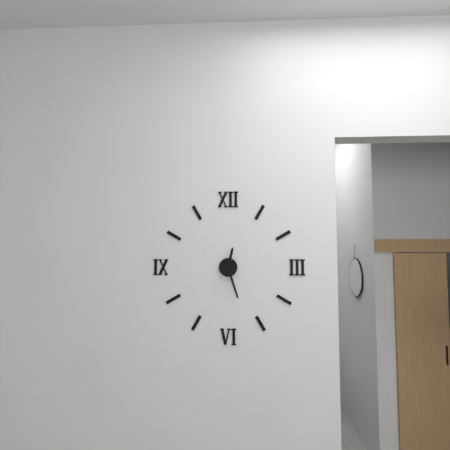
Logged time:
h=12 m=27
